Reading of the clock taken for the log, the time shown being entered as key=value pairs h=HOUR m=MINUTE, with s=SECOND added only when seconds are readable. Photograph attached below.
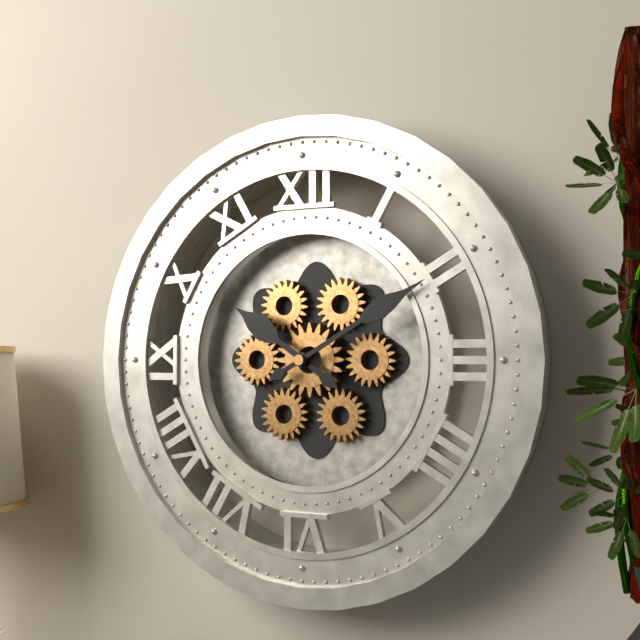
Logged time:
h=10 m=10
